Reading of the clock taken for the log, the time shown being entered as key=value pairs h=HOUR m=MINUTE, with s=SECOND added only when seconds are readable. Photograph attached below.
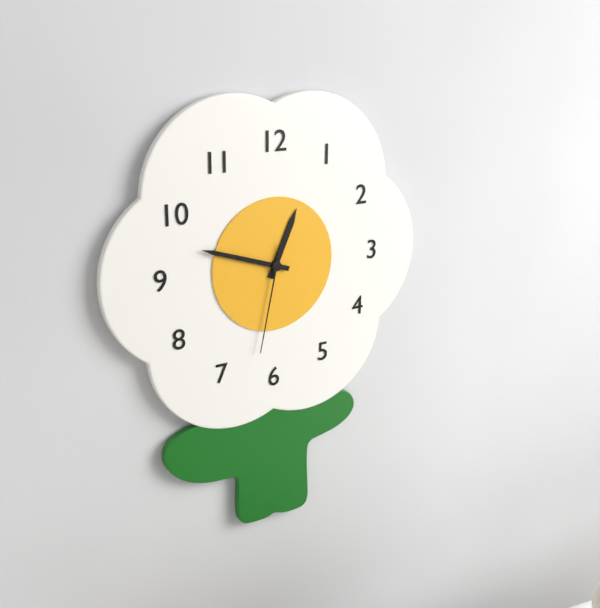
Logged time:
h=12 m=48 s=32
